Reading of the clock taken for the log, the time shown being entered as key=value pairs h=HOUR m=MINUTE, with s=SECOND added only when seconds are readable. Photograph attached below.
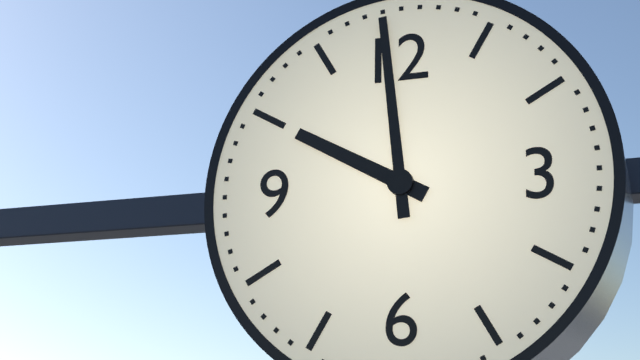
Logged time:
h=9 m=59
